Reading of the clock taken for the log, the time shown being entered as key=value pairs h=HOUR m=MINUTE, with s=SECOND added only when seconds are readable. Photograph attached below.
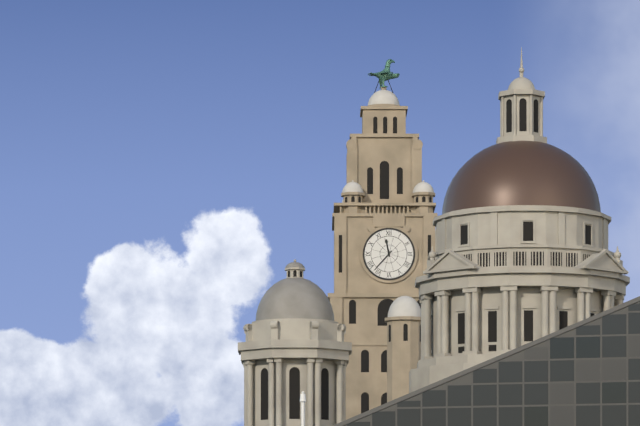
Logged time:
h=11 m=37
